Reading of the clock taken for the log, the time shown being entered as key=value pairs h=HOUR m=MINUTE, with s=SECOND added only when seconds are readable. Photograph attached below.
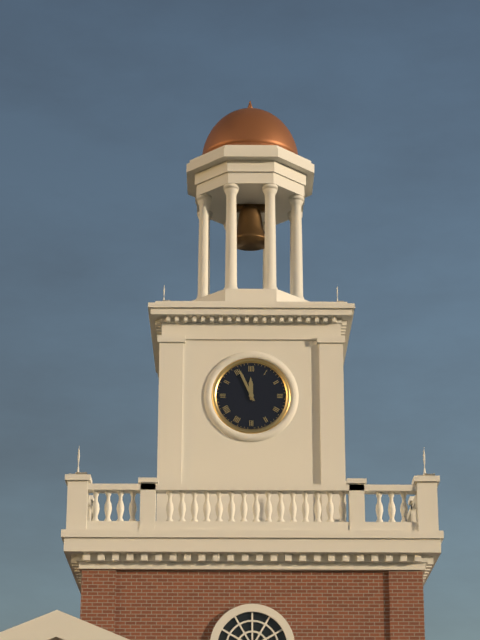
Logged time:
h=11 m=56
